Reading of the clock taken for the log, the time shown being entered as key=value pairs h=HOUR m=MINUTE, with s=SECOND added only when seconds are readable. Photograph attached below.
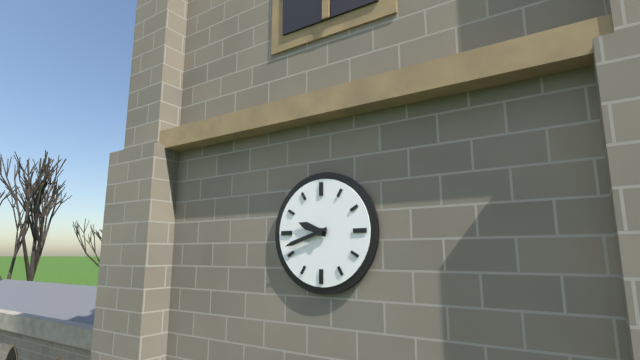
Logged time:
h=9 m=42
